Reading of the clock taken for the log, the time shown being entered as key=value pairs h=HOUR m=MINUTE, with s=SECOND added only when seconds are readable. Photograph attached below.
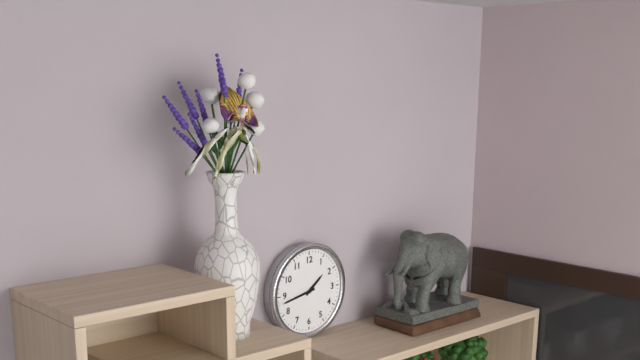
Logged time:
h=1 m=43
